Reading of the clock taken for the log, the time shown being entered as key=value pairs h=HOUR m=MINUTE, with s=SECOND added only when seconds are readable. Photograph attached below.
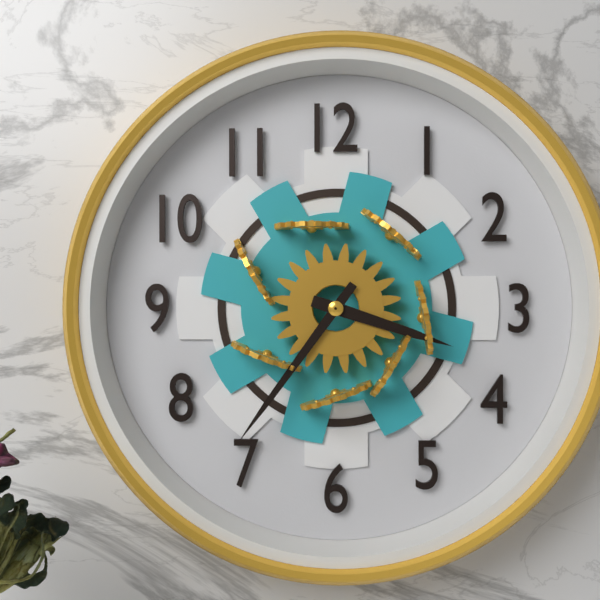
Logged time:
h=3 m=36
